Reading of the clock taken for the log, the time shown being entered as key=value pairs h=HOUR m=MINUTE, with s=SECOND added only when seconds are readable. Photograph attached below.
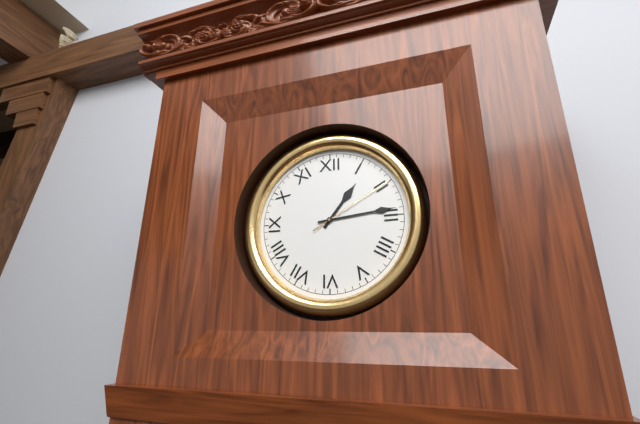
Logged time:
h=1 m=14 s=10
